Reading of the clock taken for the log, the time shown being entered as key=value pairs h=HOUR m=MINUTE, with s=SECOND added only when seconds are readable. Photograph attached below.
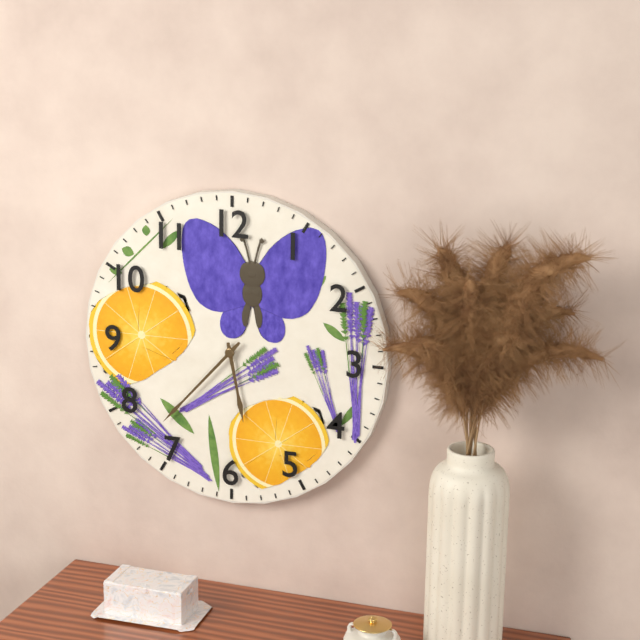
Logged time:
h=5 m=37
